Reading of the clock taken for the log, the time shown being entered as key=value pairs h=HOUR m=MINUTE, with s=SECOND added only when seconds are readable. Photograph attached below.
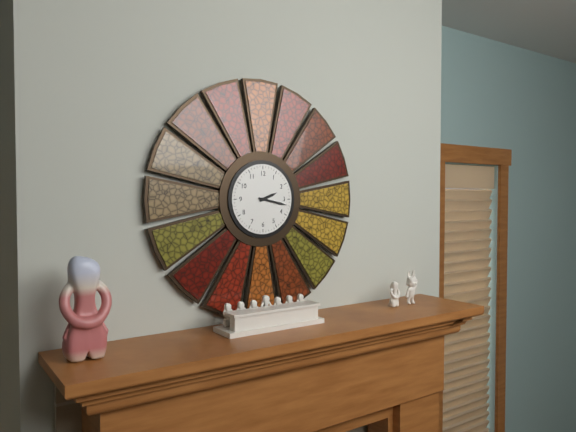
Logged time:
h=2 m=17
